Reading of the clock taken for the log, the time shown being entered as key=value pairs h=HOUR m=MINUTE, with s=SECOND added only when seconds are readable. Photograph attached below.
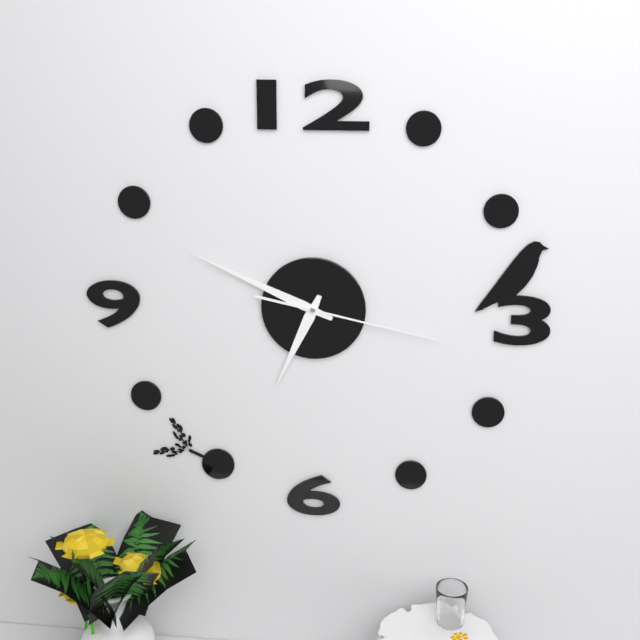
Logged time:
h=6 m=49 s=17
